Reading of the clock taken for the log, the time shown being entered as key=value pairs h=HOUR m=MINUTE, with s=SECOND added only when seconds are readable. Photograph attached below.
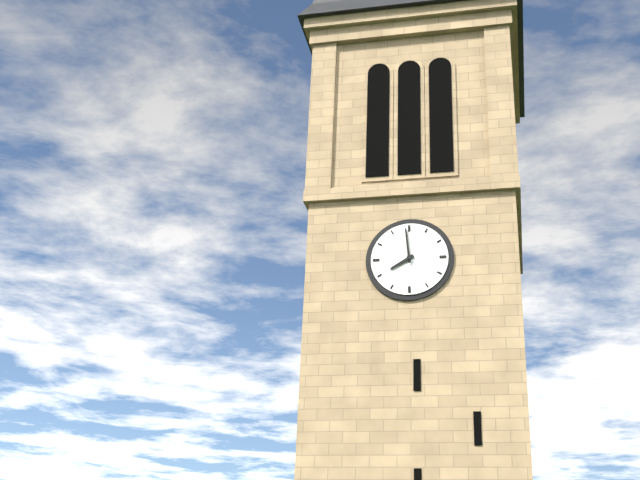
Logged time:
h=7 m=59
